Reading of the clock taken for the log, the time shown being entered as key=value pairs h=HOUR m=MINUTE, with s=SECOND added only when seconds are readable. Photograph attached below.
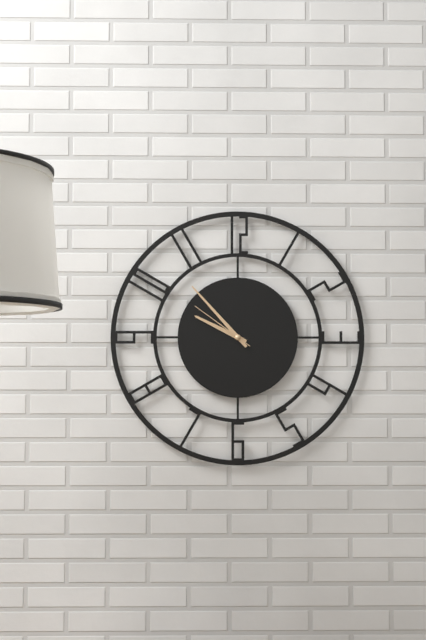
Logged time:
h=9 m=53 s=51
